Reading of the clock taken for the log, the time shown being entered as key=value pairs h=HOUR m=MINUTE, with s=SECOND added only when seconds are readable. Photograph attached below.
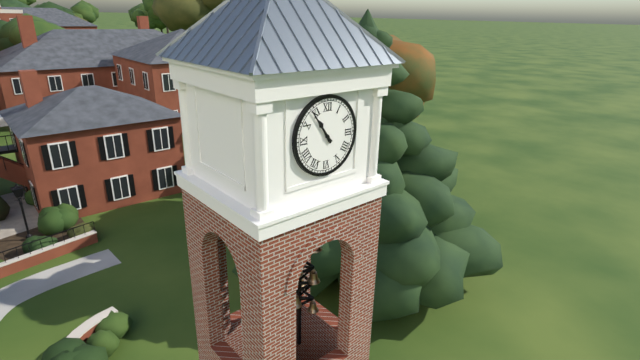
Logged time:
h=10 m=54
